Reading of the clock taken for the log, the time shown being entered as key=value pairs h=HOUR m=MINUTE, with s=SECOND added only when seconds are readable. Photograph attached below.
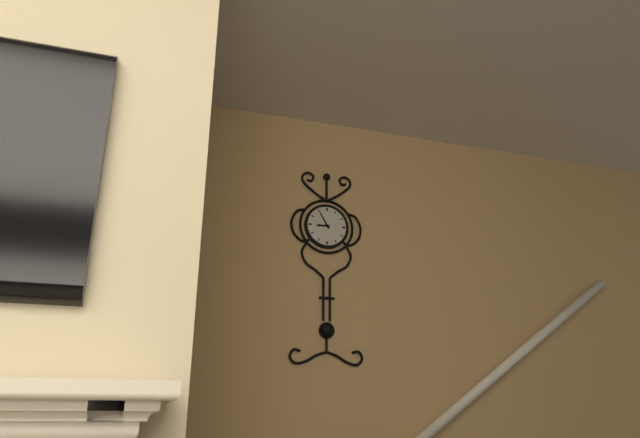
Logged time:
h=8 m=55
